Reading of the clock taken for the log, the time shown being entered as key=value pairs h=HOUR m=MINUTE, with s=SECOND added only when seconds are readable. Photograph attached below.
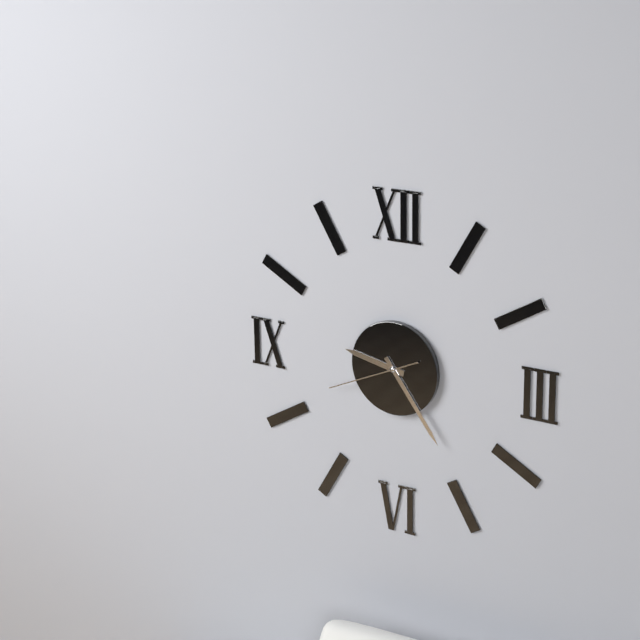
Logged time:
h=9 m=24 s=41
